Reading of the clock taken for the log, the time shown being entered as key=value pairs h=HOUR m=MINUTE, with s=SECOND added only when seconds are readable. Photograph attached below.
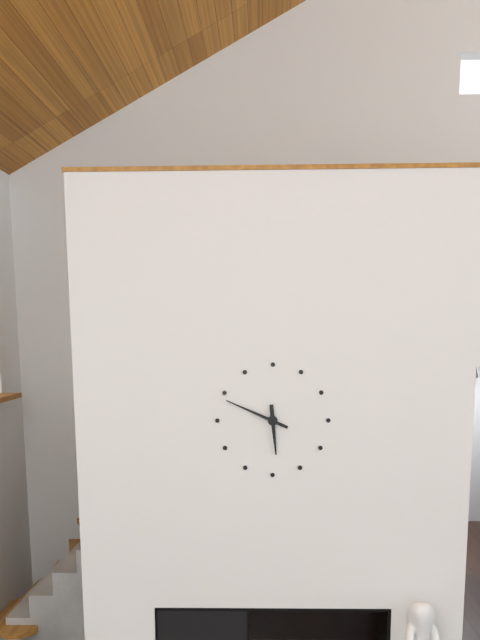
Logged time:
h=5 m=49
